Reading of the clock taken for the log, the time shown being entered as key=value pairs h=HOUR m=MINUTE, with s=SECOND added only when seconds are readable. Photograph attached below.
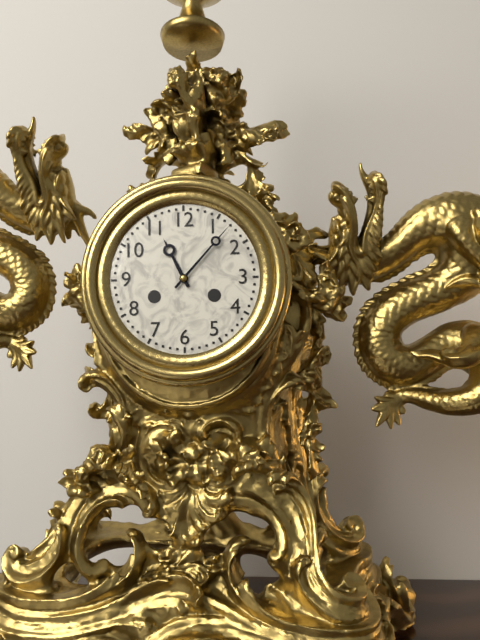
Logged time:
h=11 m=7
